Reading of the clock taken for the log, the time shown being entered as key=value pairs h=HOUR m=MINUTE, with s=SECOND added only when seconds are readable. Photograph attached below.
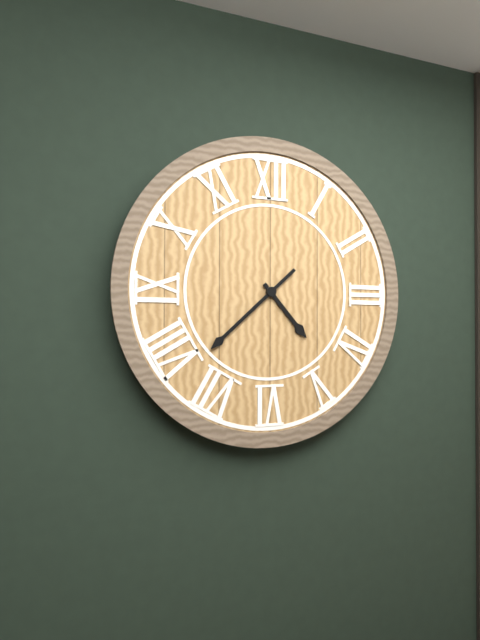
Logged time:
h=4 m=38
